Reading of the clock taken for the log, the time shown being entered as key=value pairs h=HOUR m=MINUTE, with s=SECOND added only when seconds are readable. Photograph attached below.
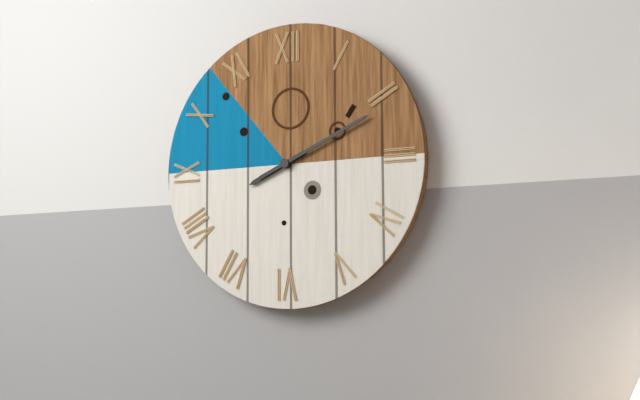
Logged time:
h=8 m=11
